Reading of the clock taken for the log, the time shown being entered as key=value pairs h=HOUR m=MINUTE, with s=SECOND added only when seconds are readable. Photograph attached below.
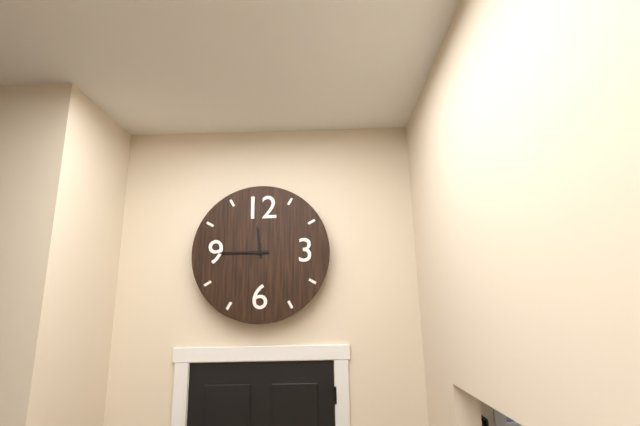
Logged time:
h=11 m=45
